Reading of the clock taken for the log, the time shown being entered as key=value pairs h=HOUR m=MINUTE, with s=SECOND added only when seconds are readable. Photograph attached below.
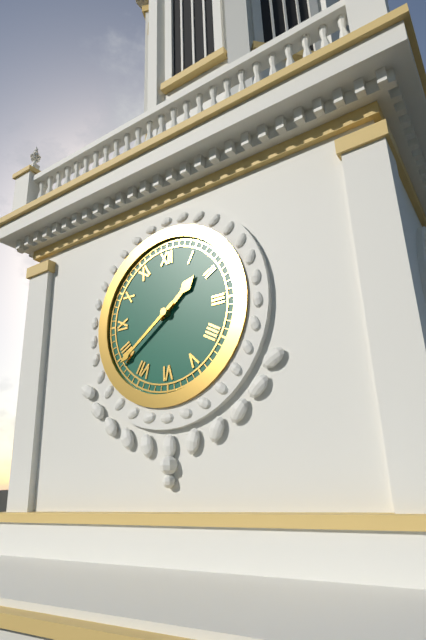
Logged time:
h=1 m=39
